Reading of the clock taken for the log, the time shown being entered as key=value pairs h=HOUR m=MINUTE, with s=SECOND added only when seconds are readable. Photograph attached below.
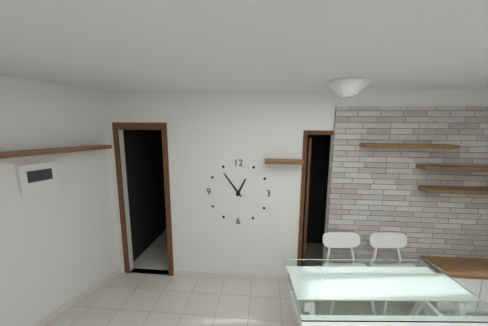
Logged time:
h=12 m=54
